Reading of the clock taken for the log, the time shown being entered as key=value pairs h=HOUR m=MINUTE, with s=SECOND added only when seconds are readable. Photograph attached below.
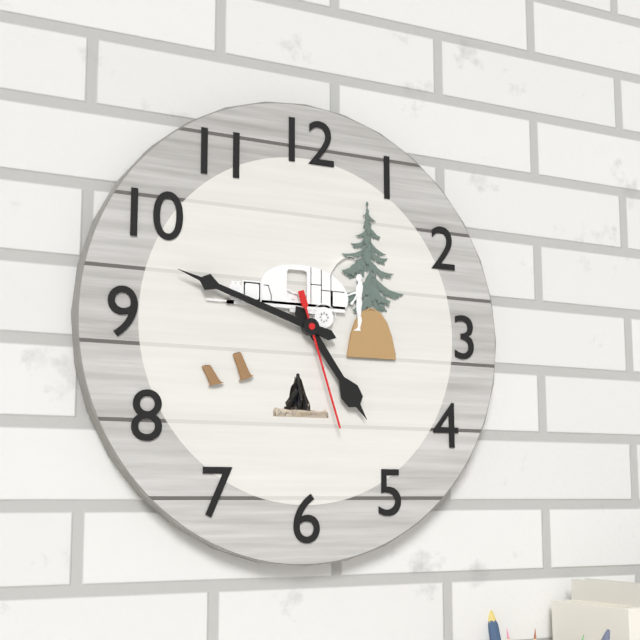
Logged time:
h=4 m=48 s=27
